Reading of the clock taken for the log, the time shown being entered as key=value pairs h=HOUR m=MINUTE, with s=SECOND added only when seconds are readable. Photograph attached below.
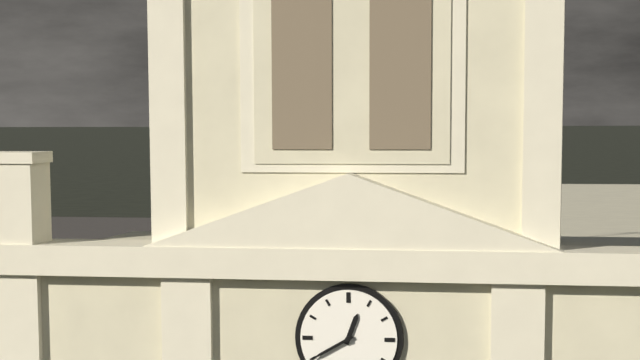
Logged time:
h=12 m=40
